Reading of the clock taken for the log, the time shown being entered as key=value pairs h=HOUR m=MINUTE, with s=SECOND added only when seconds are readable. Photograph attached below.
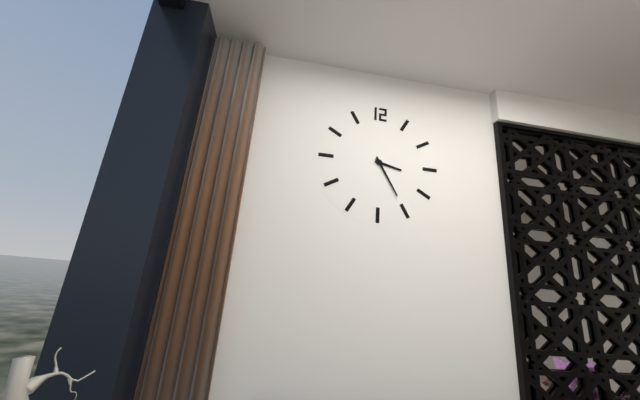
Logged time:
h=3 m=25
